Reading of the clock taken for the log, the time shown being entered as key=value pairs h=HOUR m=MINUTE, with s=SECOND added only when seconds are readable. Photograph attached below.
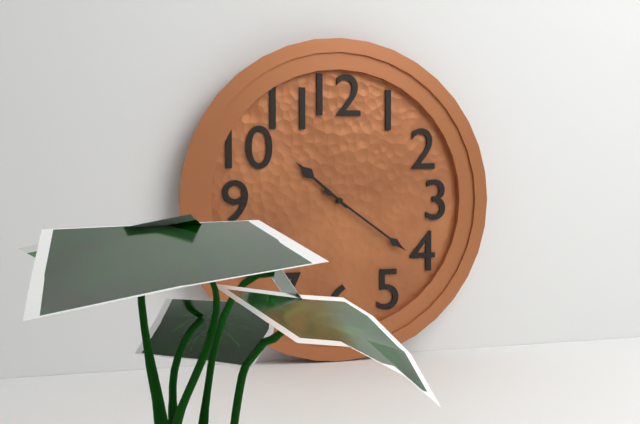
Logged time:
h=10 m=21
